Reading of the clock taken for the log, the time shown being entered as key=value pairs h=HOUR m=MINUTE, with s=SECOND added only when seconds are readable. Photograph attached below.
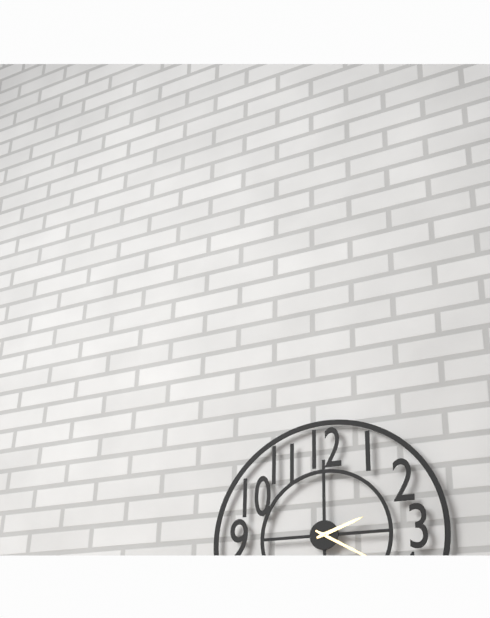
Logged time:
h=2 m=20
